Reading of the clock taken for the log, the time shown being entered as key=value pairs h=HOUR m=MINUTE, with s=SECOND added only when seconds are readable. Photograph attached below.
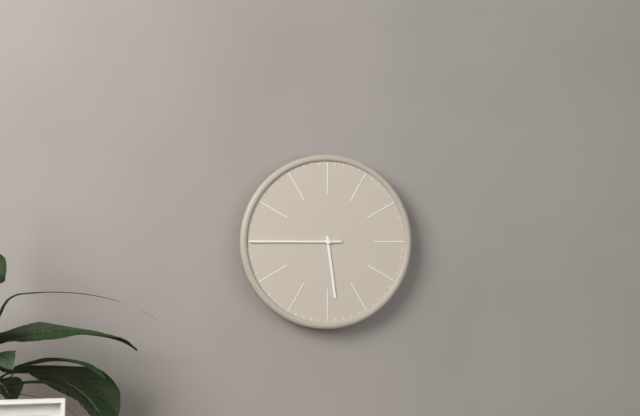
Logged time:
h=5 m=45
